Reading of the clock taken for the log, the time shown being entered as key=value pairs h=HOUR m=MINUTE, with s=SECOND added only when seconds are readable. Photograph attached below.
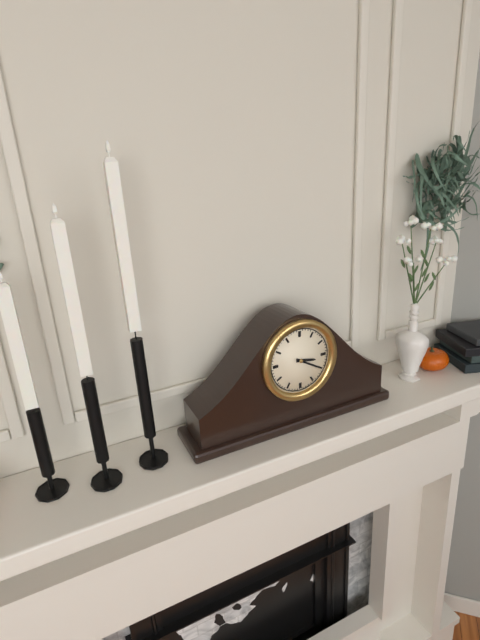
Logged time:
h=3 m=20
